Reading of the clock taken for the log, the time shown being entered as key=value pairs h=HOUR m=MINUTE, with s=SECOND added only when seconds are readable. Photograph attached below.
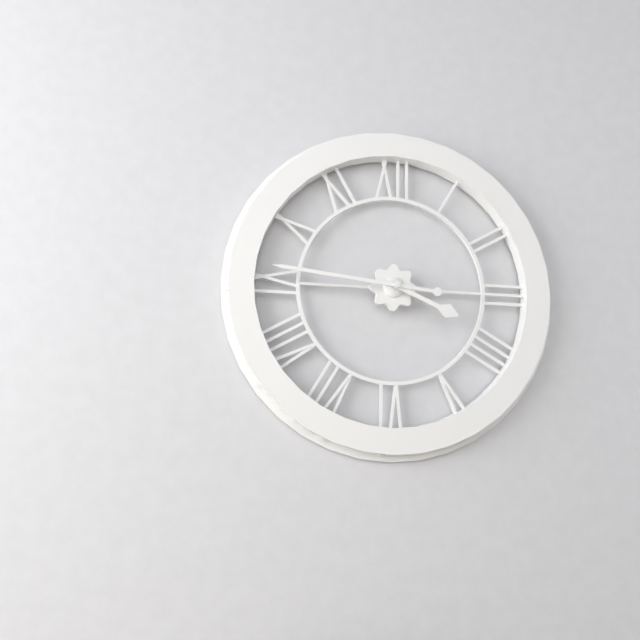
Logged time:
h=3 m=46
